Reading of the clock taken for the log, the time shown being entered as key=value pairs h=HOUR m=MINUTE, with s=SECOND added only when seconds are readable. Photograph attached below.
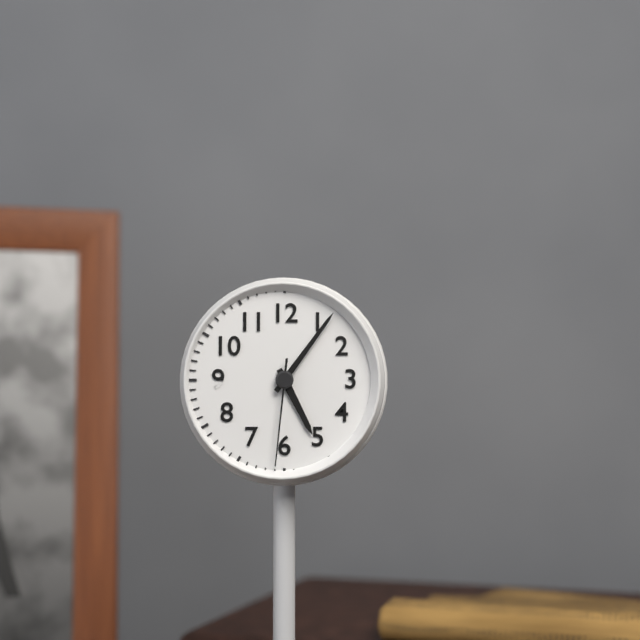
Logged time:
h=5 m=6 s=31
